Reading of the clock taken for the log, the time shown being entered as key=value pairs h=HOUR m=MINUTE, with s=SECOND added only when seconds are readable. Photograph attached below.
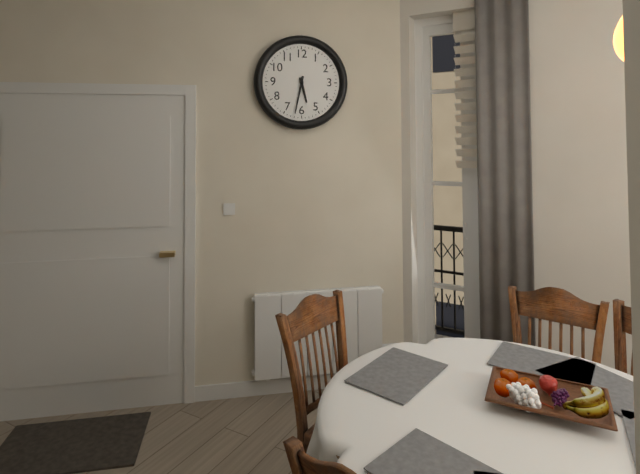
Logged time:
h=5 m=32
